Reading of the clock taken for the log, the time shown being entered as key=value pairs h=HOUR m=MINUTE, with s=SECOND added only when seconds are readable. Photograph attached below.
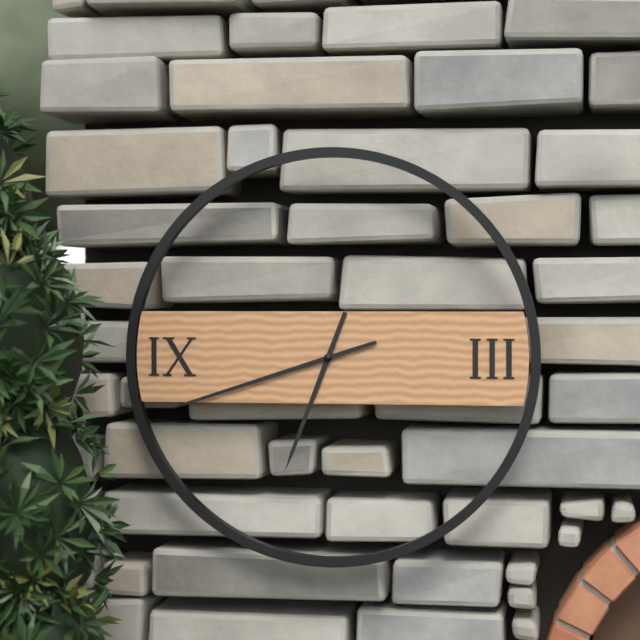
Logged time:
h=6 m=42
